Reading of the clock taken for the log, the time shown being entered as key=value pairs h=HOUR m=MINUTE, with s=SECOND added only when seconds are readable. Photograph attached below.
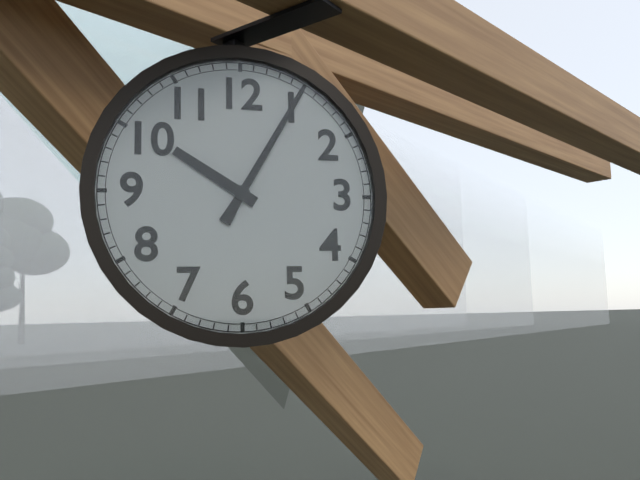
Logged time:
h=10 m=5
